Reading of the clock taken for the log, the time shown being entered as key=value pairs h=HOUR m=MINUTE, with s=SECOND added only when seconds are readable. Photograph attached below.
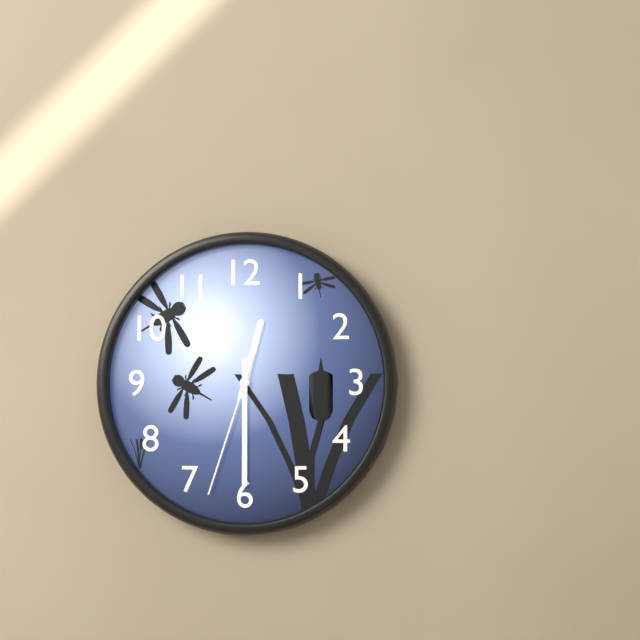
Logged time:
h=12 m=30 s=33
